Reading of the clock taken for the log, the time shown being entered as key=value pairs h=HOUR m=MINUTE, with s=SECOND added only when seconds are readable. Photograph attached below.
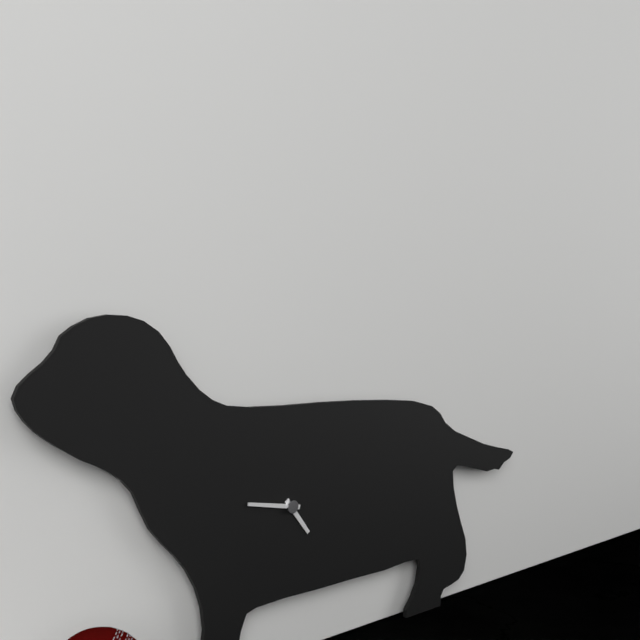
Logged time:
h=4 m=47
